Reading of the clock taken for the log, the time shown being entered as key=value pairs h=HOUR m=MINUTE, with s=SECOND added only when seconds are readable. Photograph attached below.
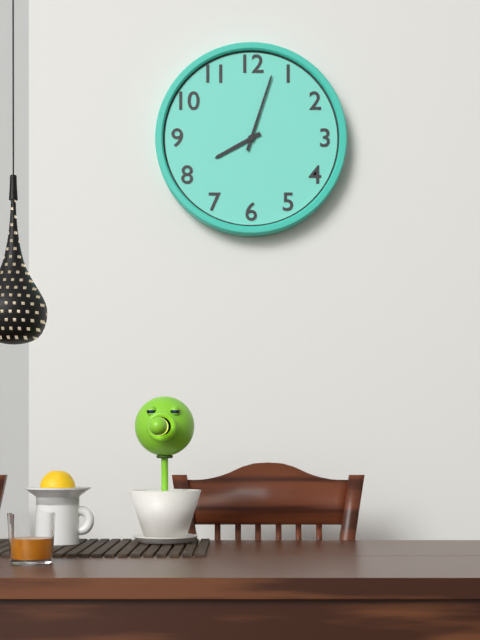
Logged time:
h=8 m=3
